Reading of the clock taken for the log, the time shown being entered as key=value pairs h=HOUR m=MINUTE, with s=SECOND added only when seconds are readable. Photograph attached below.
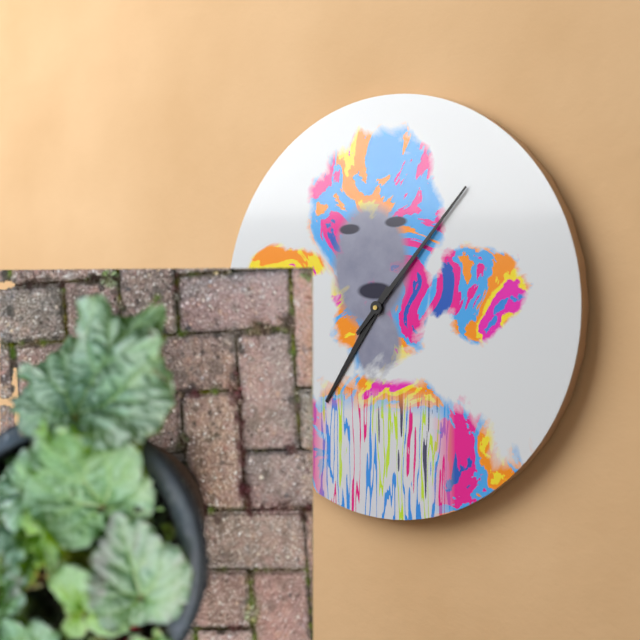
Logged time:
h=7 m=7
